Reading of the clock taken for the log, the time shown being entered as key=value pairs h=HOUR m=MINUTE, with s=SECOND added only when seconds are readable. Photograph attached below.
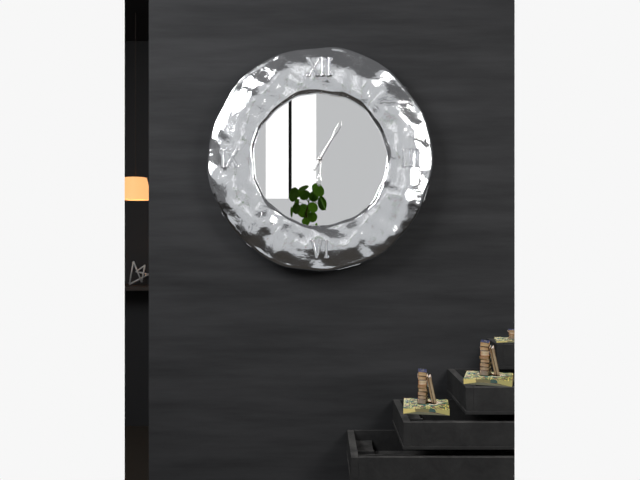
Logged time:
h=6 m=5
